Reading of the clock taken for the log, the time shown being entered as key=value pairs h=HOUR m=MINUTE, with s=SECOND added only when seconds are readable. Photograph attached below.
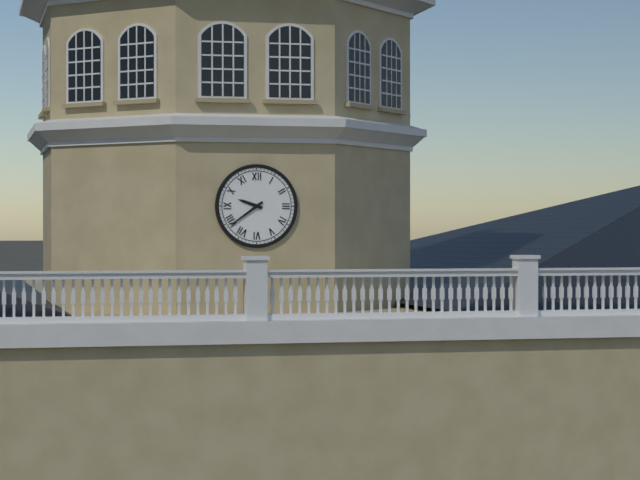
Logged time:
h=9 m=39
